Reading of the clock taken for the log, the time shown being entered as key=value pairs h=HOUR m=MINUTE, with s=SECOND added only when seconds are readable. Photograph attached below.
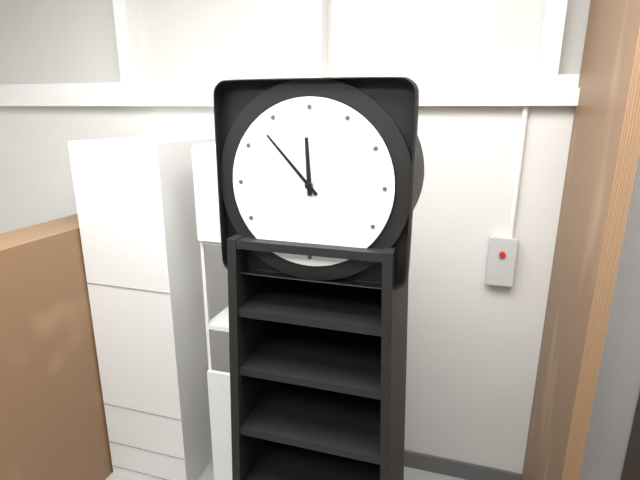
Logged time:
h=11 m=53
